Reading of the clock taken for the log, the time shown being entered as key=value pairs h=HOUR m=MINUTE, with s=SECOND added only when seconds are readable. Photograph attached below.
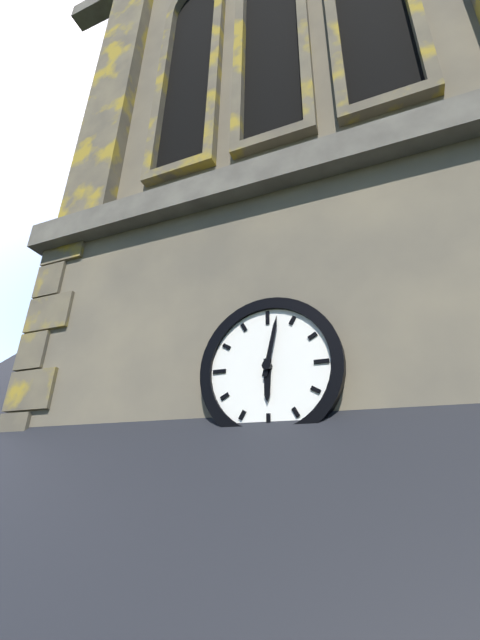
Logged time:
h=6 m=2
